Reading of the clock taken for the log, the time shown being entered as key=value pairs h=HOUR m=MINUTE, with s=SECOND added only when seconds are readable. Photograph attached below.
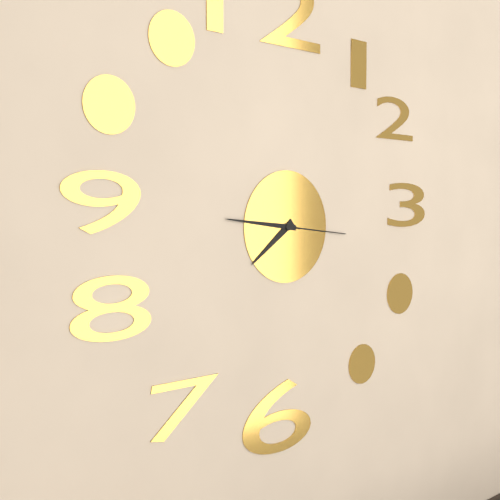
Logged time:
h=7 m=46 s=16
